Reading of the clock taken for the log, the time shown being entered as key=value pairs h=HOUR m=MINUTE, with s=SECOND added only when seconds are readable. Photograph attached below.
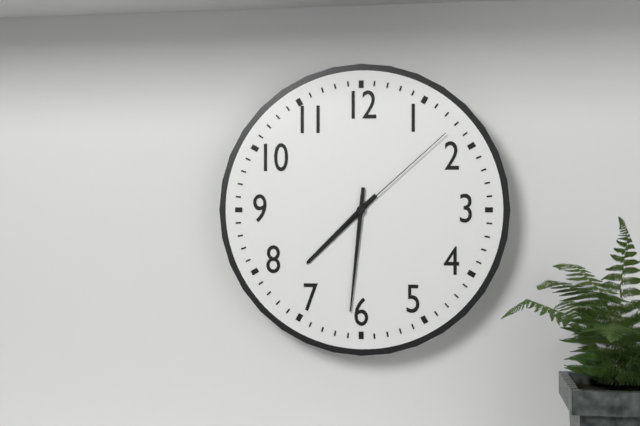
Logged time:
h=7 m=31 s=8
